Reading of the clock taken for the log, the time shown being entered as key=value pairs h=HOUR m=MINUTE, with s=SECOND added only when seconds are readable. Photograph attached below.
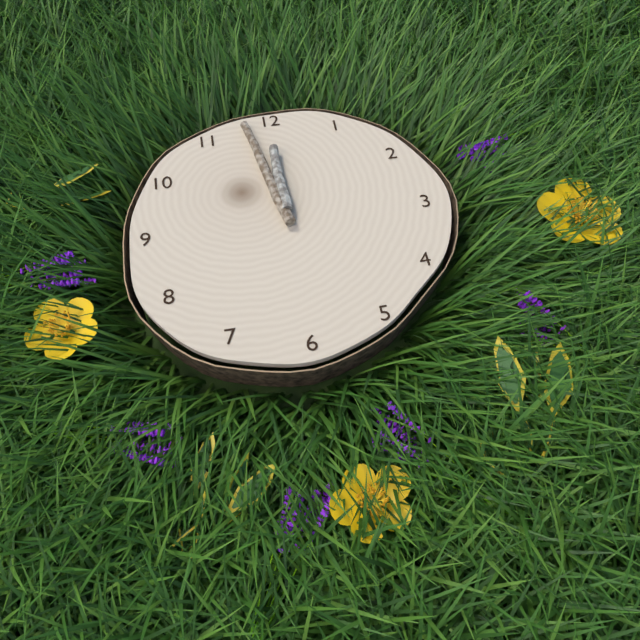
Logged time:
h=11 m=58
